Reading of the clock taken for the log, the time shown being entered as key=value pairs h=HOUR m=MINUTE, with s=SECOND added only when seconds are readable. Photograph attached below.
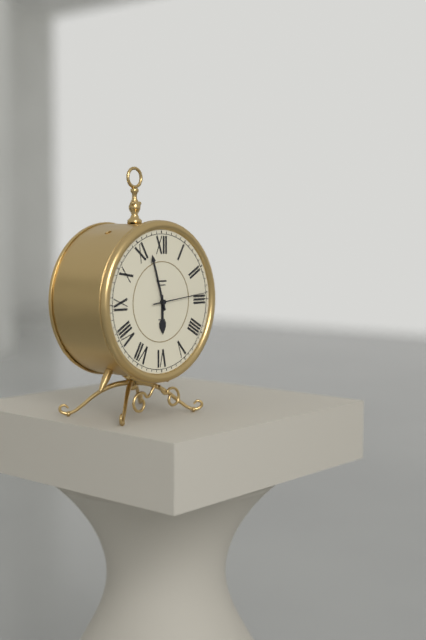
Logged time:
h=5 m=57 s=14
